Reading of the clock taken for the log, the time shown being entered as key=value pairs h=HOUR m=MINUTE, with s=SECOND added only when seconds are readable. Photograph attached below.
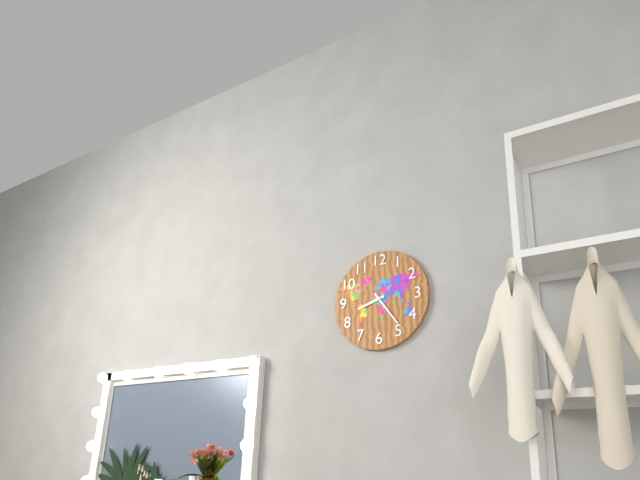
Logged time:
h=8 m=24
